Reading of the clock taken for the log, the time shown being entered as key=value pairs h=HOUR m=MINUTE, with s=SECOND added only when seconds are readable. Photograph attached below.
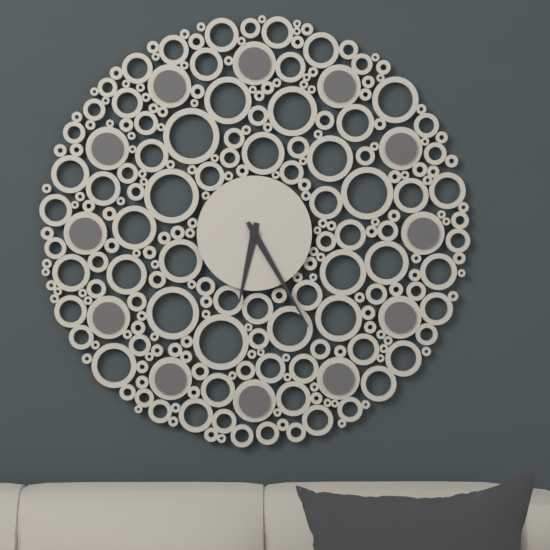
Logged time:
h=6 m=25
